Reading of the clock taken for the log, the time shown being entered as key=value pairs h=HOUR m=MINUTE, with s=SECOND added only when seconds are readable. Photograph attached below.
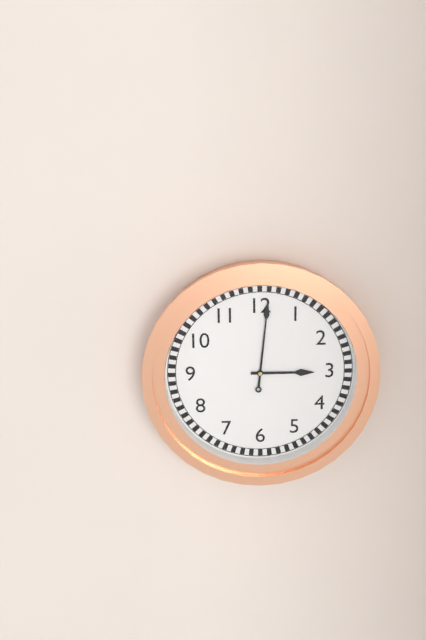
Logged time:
h=3 m=1
